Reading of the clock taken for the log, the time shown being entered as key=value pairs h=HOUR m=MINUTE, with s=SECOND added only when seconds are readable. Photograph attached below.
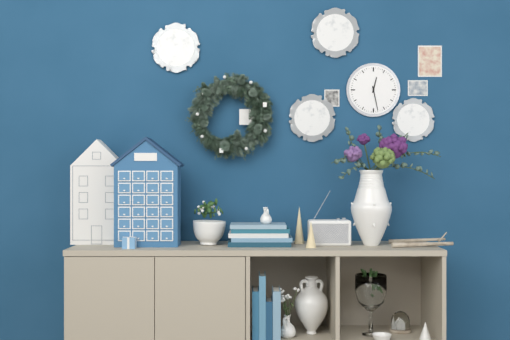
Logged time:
h=12 m=28
